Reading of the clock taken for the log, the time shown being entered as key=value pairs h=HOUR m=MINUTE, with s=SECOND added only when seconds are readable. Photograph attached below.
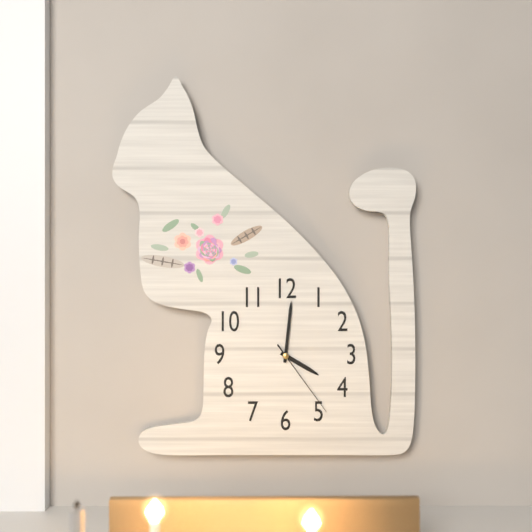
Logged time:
h=4 m=1 s=24
